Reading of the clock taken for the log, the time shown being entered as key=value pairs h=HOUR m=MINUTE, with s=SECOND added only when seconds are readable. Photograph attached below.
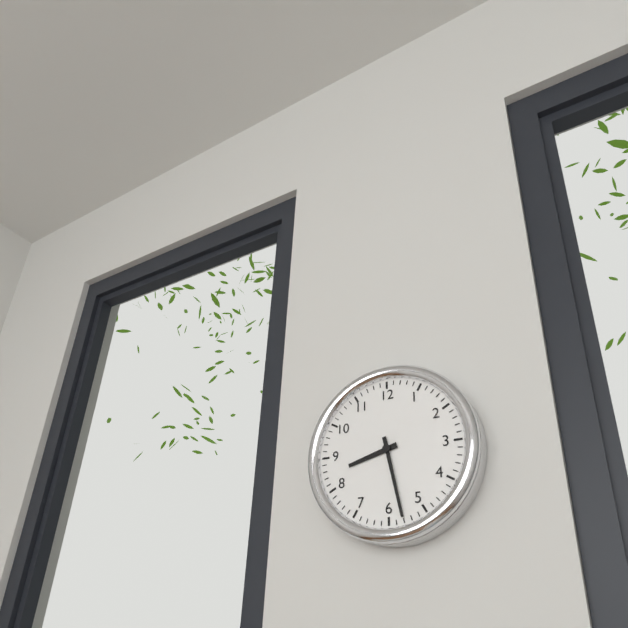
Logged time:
h=8 m=28
